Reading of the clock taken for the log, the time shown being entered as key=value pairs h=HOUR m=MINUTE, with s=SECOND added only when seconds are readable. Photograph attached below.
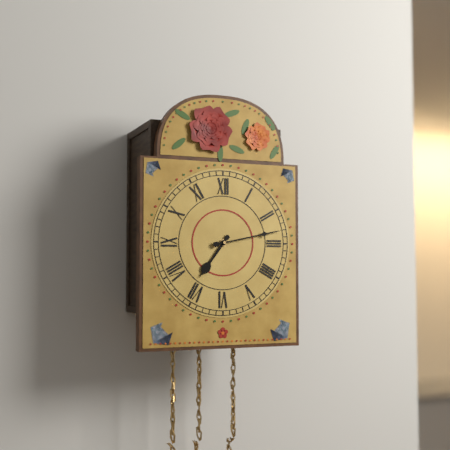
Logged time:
h=7 m=13
